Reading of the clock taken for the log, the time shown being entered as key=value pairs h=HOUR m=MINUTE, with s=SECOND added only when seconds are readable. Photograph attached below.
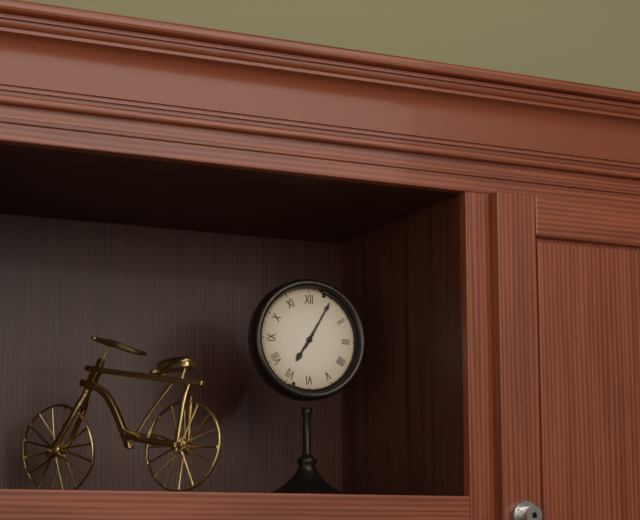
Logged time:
h=7 m=5
